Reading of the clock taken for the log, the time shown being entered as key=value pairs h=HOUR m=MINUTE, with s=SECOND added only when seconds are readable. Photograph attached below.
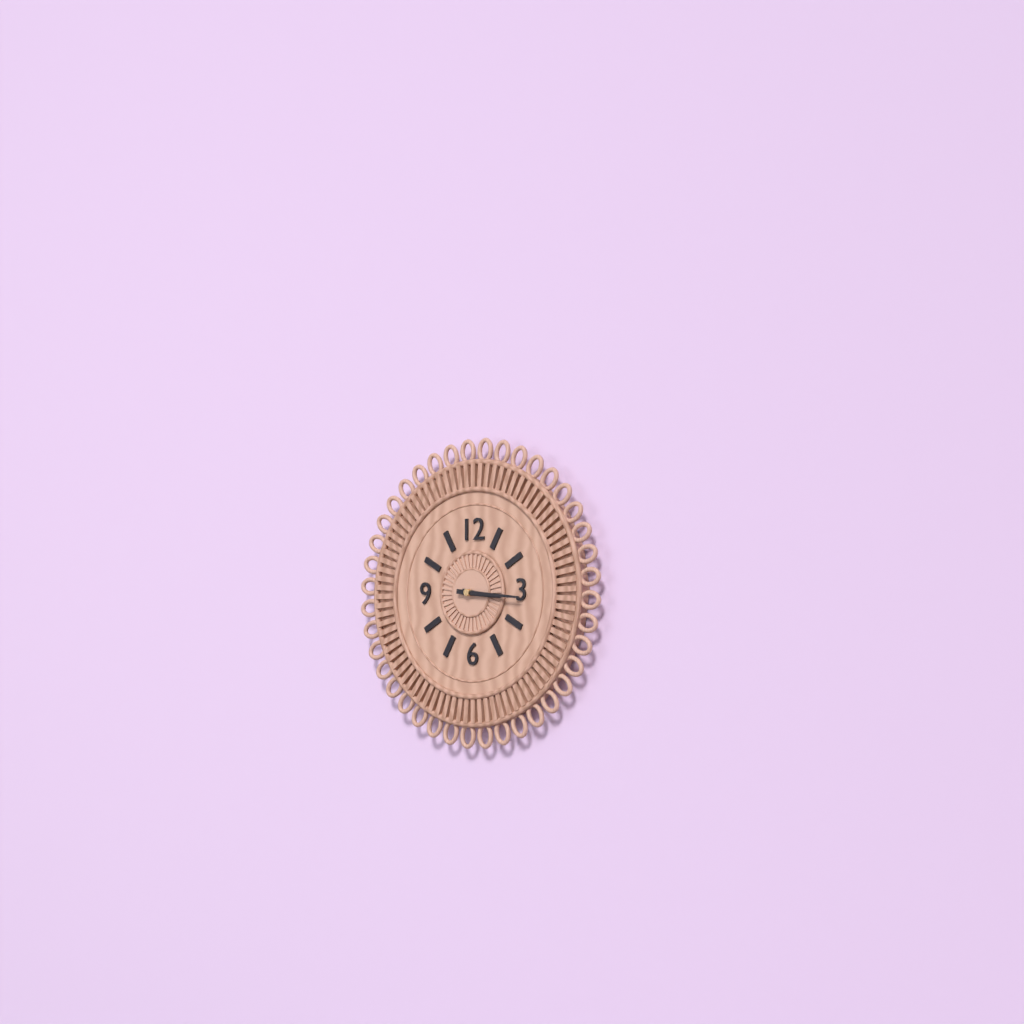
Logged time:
h=3 m=16
